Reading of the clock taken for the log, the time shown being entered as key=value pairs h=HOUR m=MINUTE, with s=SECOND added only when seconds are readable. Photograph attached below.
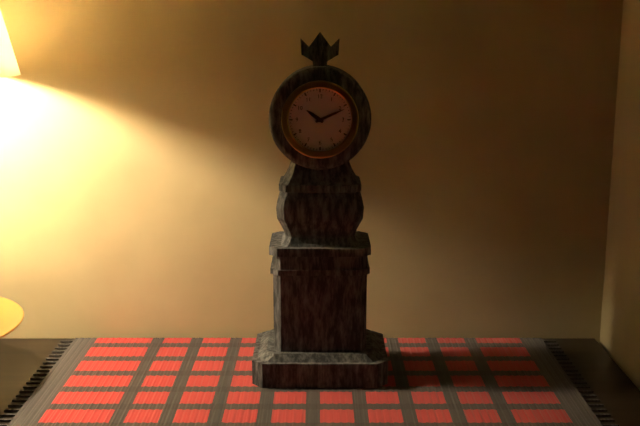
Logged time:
h=10 m=11
